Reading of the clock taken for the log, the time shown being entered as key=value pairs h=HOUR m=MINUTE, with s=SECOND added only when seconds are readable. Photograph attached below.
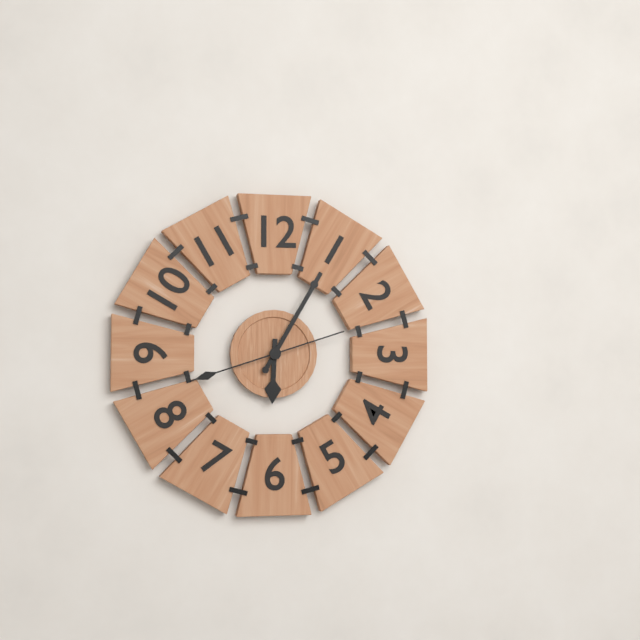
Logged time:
h=6 m=5 s=42
